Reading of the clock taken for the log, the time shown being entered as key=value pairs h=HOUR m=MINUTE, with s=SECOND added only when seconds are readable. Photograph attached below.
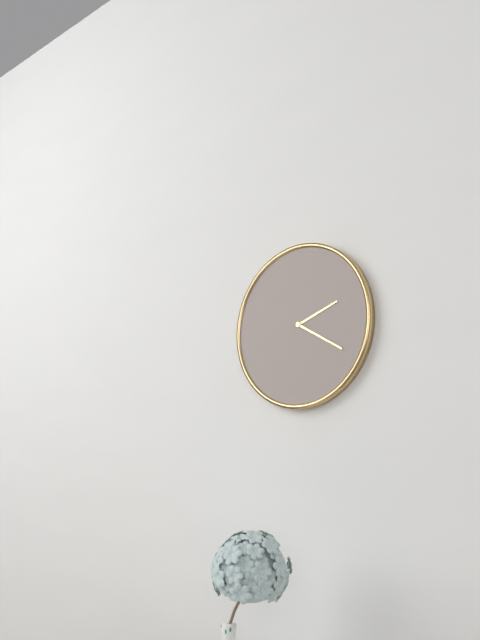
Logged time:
h=2 m=20
